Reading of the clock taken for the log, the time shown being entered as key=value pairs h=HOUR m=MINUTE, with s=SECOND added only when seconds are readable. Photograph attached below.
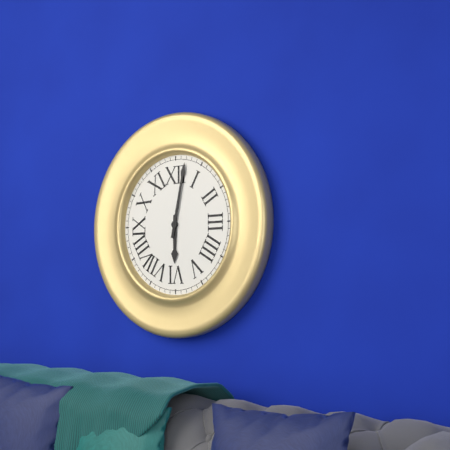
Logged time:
h=6 m=2
